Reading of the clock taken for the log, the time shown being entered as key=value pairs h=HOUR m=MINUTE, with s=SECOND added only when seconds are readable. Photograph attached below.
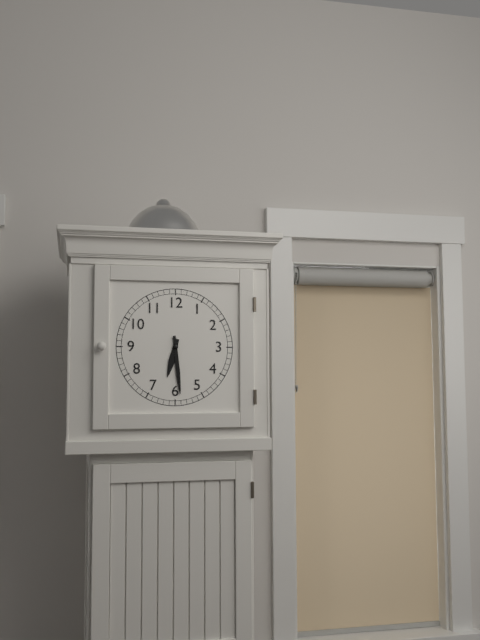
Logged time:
h=6 m=29
